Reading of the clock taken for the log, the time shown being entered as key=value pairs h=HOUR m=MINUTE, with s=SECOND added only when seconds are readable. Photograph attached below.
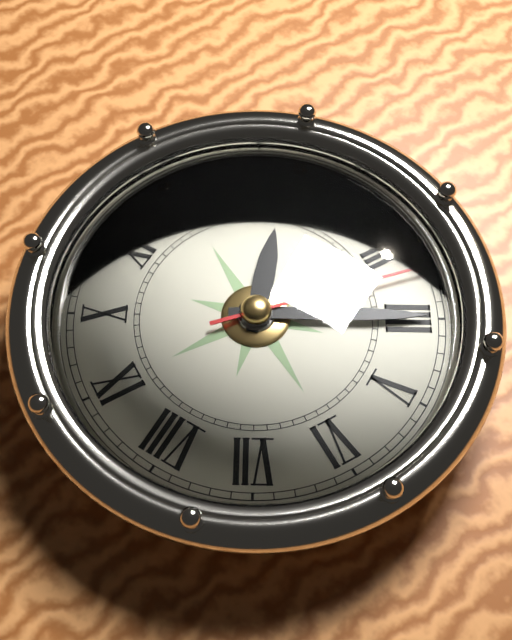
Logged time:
h=1 m=20 s=17
